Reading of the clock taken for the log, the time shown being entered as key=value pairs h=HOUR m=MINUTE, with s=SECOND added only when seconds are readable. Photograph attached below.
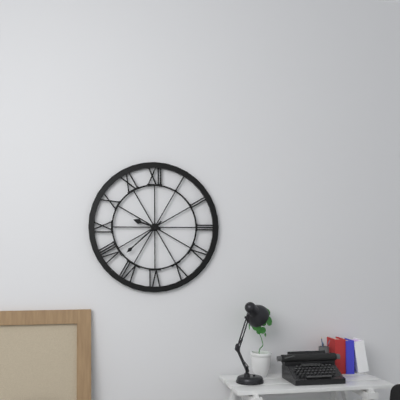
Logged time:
h=9 m=38
